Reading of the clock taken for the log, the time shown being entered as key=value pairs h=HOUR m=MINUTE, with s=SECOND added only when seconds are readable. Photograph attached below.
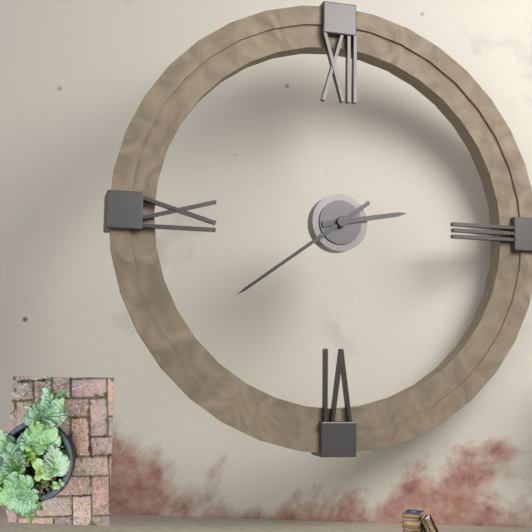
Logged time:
h=2 m=39
